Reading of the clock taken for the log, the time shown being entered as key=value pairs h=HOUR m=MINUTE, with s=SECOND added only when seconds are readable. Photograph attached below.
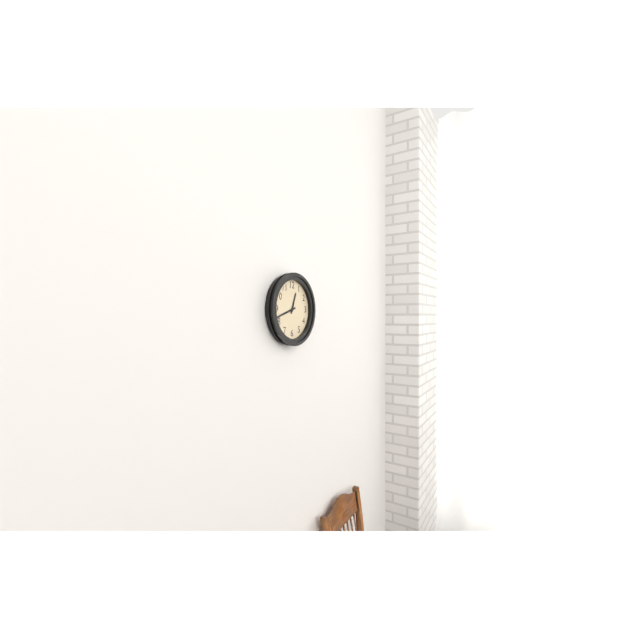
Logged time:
h=12 m=42
